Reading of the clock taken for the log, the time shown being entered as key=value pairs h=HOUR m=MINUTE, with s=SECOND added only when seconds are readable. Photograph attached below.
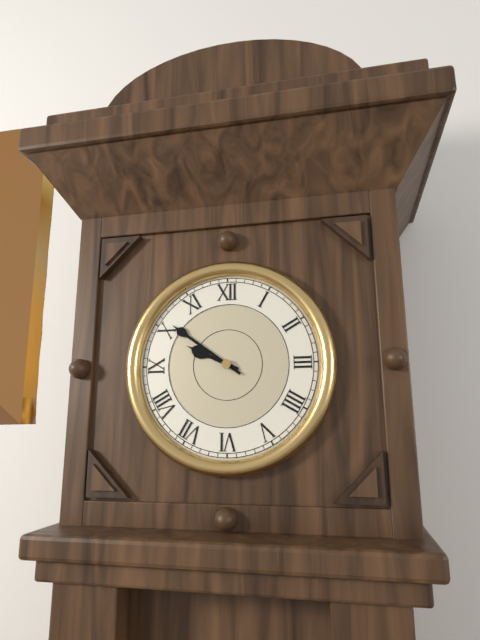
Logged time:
h=9 m=51
